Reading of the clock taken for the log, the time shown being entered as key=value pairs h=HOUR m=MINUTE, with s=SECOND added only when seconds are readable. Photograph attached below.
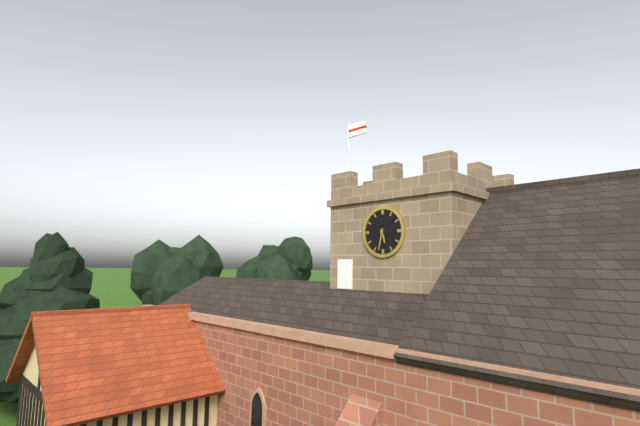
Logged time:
h=5 m=32
